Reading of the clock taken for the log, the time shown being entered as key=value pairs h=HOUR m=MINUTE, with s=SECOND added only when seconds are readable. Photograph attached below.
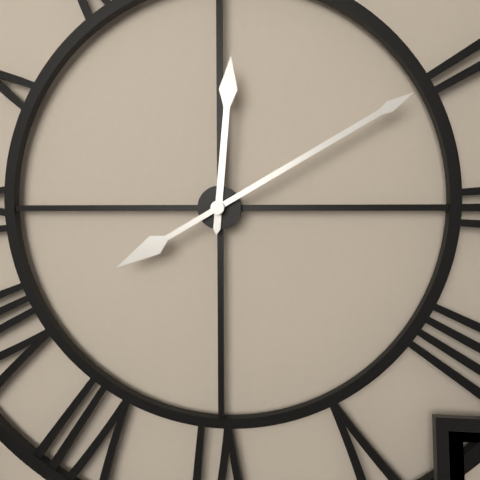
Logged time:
h=12 m=10
